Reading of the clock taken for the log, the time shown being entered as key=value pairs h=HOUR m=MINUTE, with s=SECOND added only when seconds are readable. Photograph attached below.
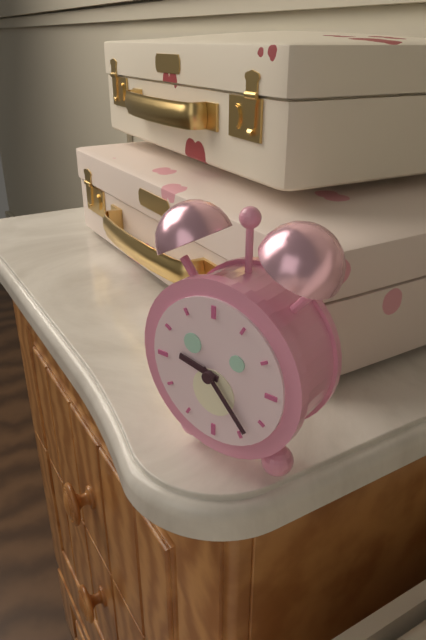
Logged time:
h=9 m=23
